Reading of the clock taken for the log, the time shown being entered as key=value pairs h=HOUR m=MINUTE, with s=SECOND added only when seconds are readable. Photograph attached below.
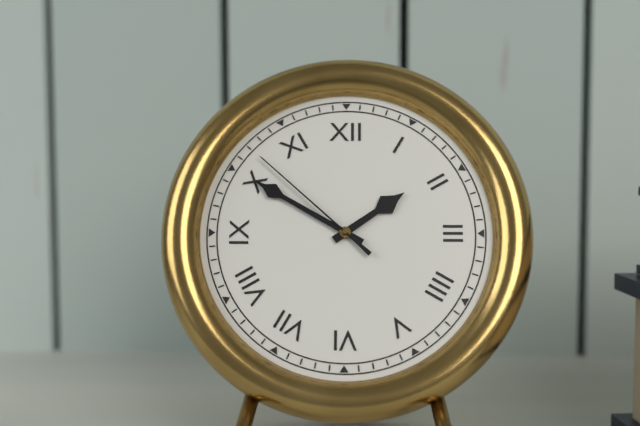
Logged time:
h=1 m=50 s=52
